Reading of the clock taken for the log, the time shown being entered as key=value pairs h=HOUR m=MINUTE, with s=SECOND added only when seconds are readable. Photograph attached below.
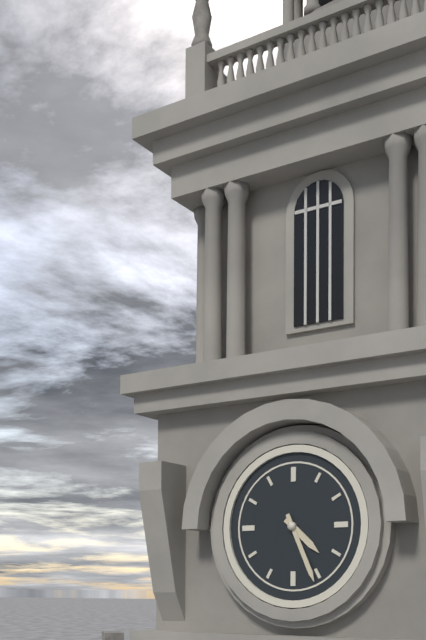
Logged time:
h=4 m=26
